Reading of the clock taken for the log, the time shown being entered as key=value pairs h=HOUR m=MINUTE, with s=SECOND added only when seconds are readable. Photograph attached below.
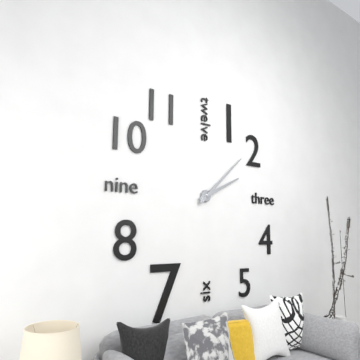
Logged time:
h=2 m=8
